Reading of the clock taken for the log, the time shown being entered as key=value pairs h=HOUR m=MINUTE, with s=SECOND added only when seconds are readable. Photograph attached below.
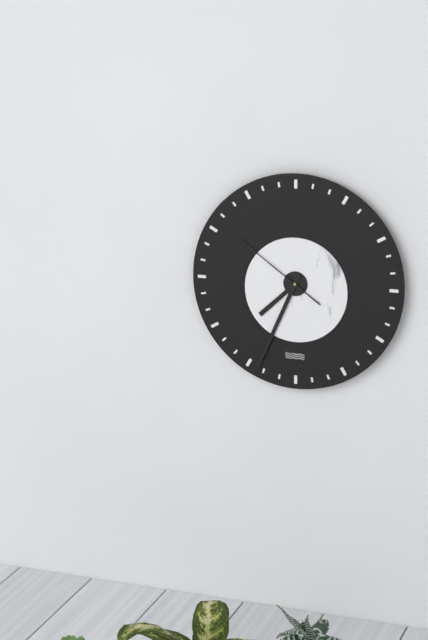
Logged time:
h=7 m=34 s=51
